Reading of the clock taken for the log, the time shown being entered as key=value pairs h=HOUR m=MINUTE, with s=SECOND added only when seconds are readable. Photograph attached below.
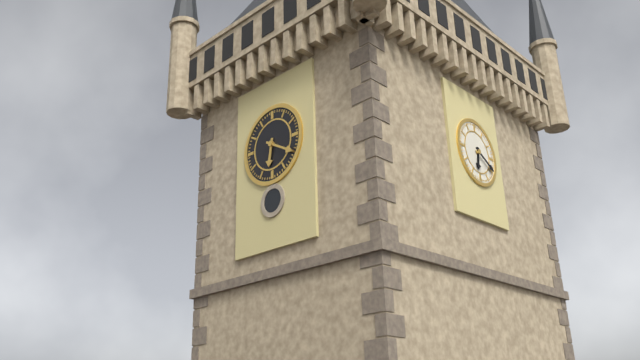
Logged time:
h=6 m=20
